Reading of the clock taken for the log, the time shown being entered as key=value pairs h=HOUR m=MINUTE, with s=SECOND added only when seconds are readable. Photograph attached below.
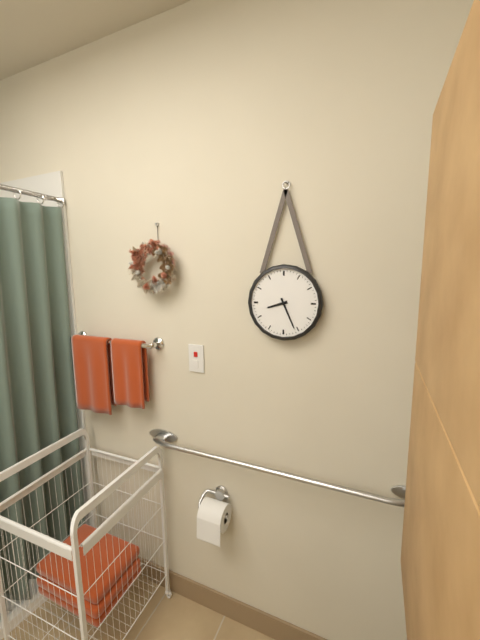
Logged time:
h=8 m=26
